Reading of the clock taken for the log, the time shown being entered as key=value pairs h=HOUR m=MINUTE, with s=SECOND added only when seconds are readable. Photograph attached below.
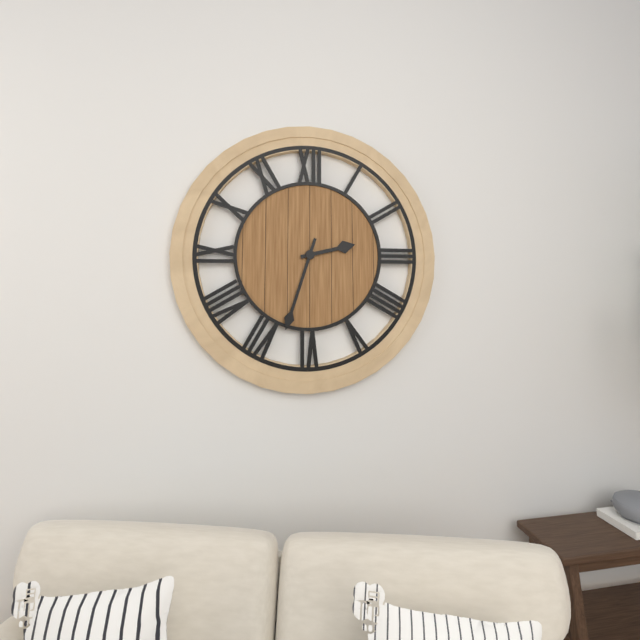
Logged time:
h=2 m=33
